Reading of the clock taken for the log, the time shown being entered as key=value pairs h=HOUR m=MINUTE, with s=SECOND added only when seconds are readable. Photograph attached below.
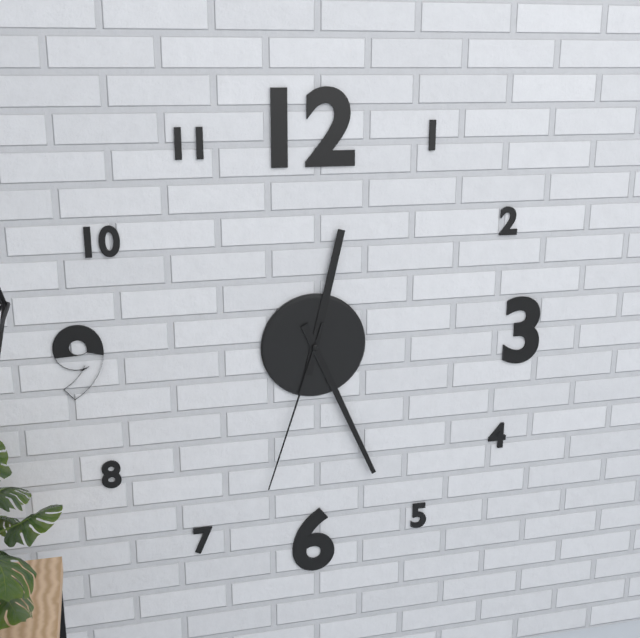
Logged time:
h=12 m=26 s=33
